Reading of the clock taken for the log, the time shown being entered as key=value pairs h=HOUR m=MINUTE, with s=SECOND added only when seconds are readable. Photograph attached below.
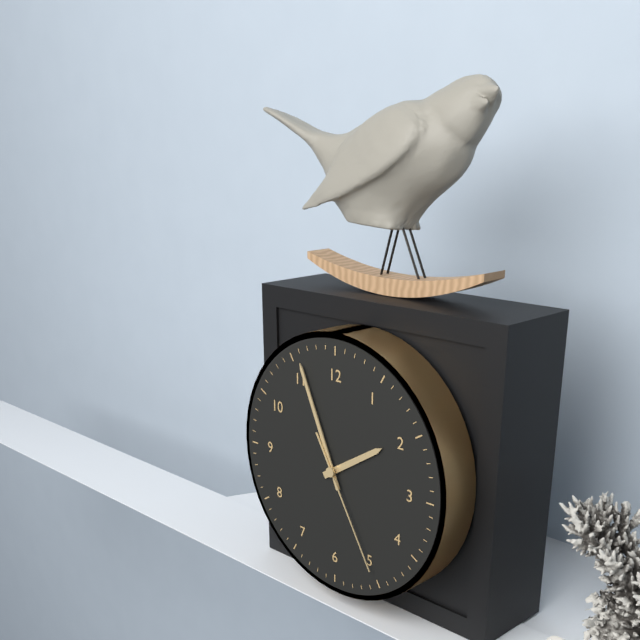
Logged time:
h=1 m=56 s=25
